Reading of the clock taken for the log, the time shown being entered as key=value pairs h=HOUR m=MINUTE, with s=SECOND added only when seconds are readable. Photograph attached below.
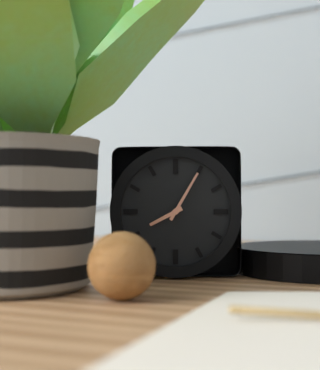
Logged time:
h=8 m=5
